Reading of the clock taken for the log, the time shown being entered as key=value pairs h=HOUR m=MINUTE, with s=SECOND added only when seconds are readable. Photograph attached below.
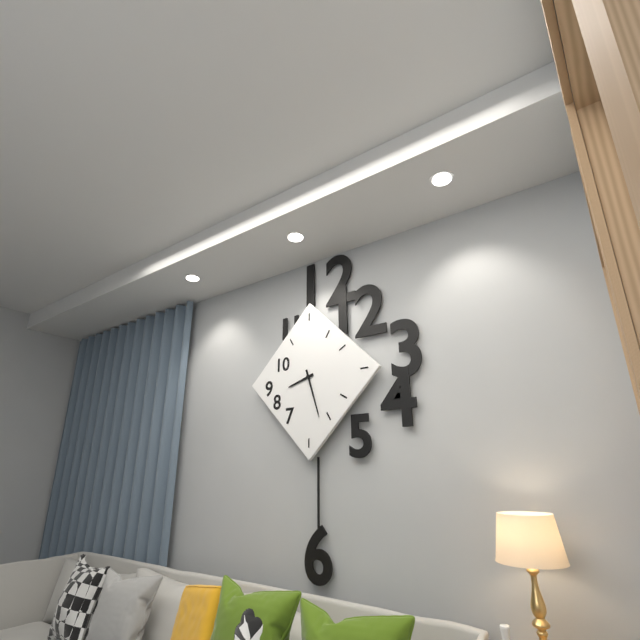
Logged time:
h=8 m=27
